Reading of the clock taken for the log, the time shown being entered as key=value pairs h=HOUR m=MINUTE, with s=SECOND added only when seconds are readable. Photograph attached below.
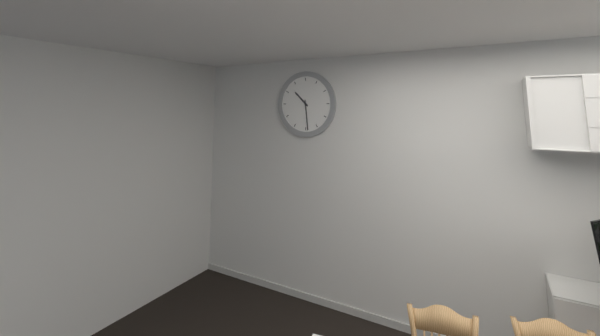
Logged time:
h=10 m=29
